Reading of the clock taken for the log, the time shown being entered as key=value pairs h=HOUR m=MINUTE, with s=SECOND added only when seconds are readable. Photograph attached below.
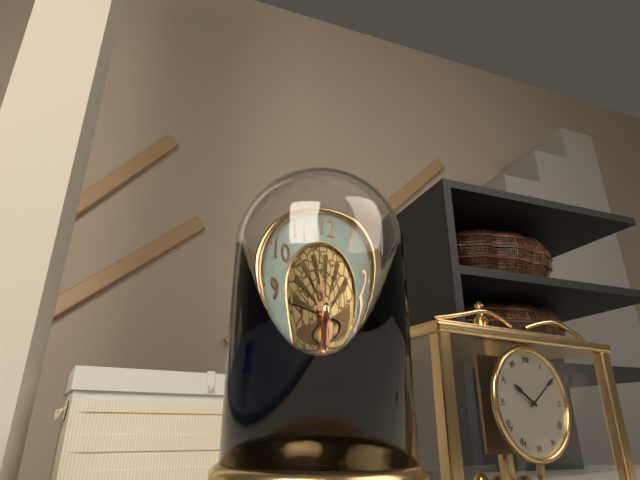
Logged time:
h=3 m=26
